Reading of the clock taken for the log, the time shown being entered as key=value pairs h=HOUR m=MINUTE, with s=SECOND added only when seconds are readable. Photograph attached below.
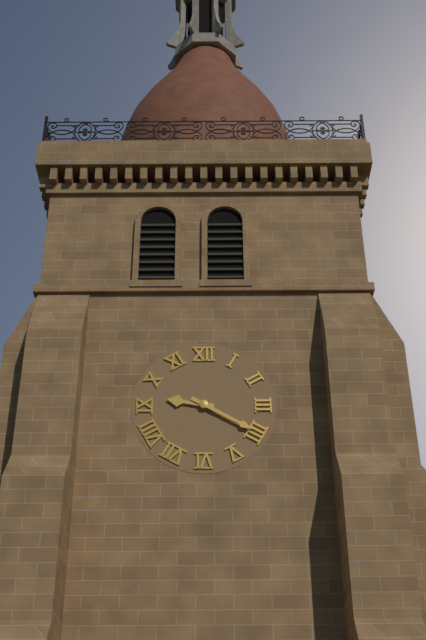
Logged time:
h=9 m=20
